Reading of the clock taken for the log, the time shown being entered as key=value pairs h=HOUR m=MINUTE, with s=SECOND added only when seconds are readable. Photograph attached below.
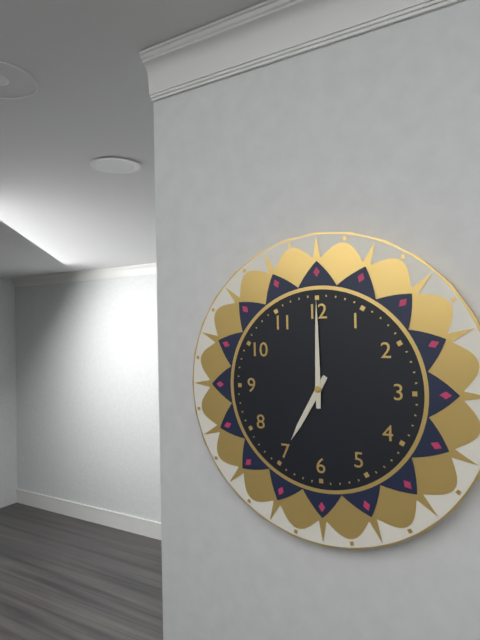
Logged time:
h=7 m=0
